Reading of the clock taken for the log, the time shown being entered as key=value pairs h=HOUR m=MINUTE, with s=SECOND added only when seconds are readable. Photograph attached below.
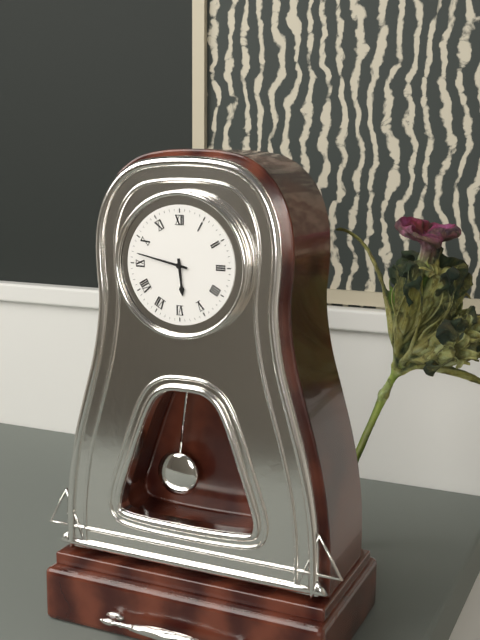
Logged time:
h=5 m=47
